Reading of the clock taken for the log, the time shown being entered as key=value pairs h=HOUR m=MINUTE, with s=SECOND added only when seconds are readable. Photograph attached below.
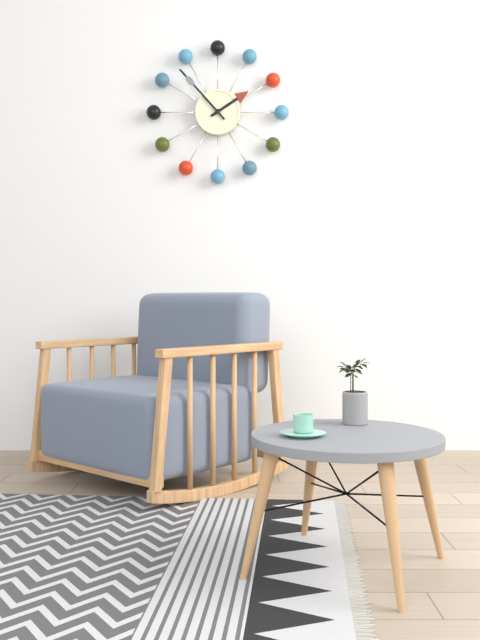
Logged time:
h=1 m=53
